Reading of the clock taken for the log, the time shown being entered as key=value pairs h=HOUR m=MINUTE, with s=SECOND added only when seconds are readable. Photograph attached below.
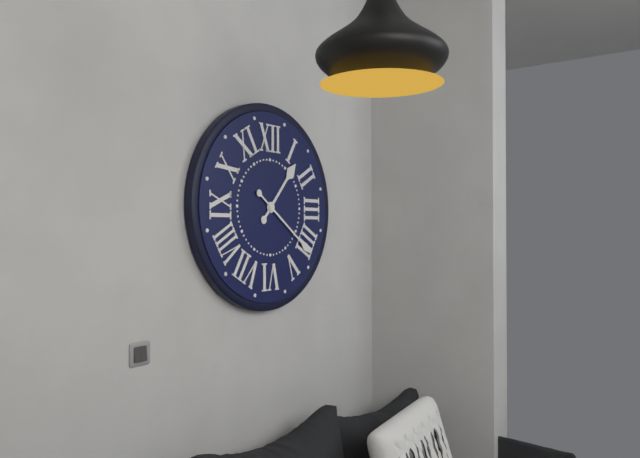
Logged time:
h=1 m=21
